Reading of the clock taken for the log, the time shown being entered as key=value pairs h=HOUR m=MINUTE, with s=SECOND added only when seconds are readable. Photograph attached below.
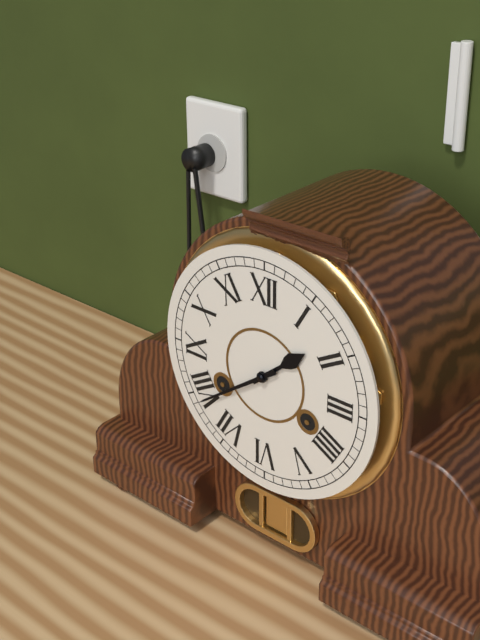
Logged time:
h=1 m=39
